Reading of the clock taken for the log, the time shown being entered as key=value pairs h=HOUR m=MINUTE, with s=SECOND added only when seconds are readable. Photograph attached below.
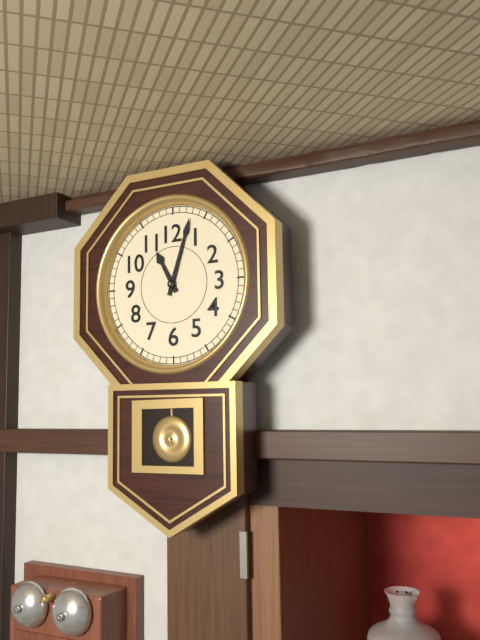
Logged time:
h=11 m=3
